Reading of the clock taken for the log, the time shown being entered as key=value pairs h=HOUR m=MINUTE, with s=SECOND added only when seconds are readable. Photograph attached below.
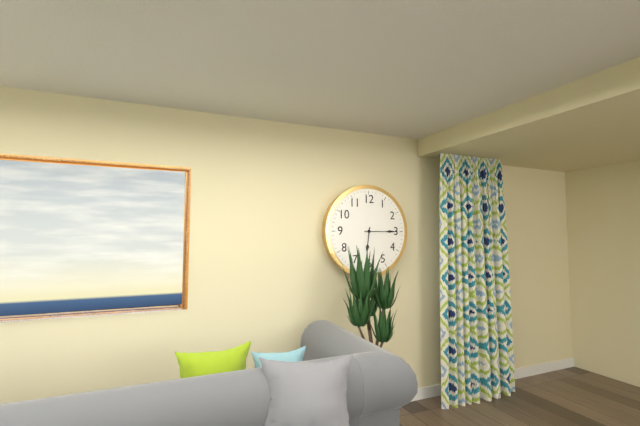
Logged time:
h=6 m=15
